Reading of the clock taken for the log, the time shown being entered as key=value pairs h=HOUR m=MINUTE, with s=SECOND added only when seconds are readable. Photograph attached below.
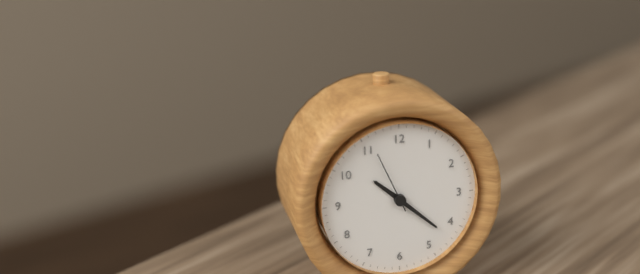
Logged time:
h=10 m=22 s=56
